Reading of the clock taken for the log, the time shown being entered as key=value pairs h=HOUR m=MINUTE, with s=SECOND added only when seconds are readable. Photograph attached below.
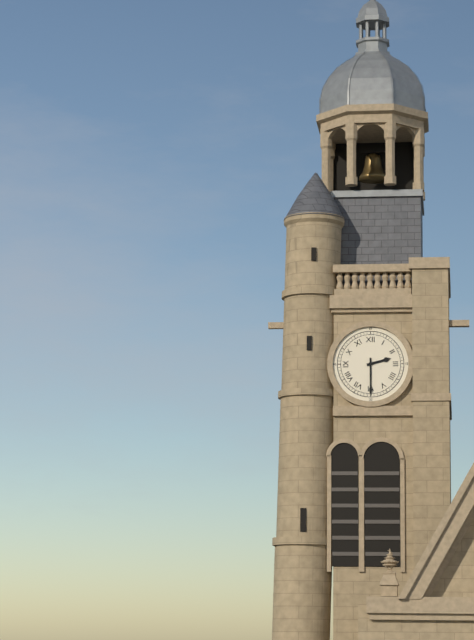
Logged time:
h=2 m=30
